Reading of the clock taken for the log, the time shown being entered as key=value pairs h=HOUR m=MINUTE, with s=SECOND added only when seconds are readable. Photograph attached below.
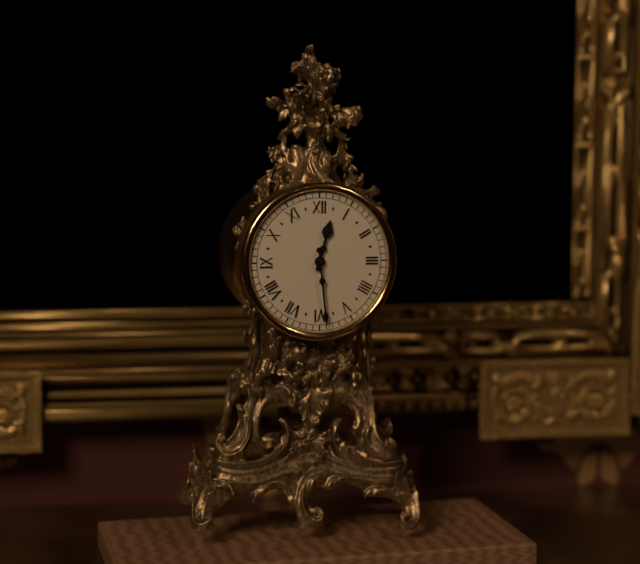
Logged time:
h=12 m=29
